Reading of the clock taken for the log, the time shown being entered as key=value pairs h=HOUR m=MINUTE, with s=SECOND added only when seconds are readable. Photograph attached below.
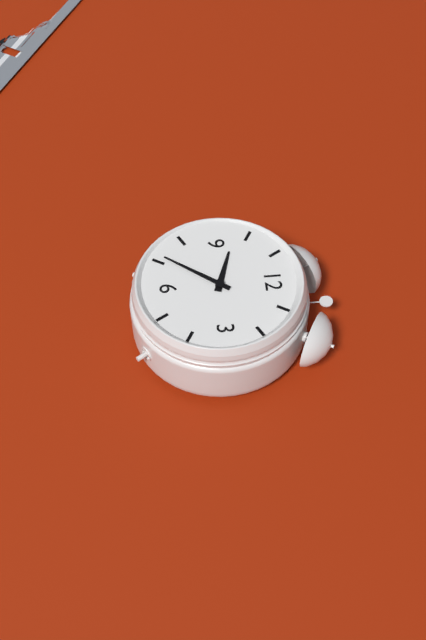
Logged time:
h=9 m=36
